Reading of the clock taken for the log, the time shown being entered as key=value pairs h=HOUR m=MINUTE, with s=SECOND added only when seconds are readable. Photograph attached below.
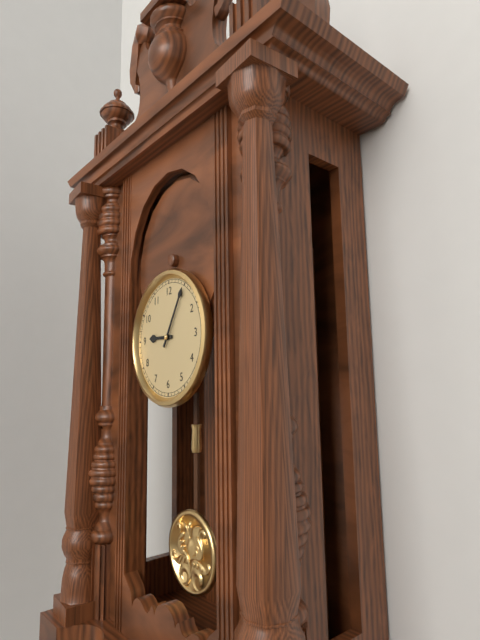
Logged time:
h=9 m=5
